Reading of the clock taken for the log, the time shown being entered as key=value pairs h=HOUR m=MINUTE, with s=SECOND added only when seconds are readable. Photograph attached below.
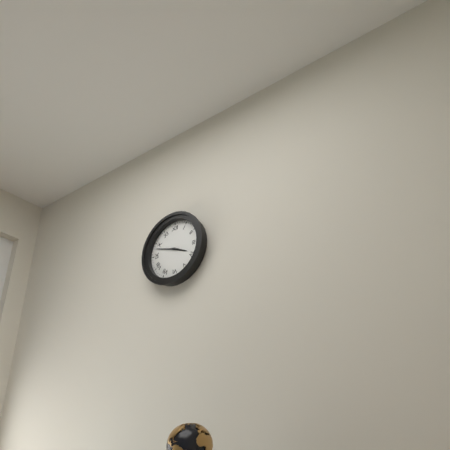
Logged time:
h=3 m=48
